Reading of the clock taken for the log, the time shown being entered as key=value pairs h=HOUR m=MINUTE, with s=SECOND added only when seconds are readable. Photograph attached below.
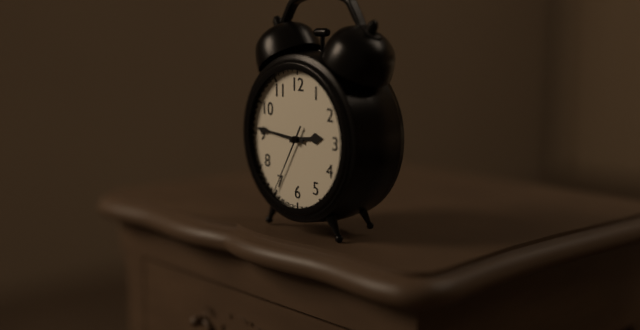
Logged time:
h=2 m=46 s=35
